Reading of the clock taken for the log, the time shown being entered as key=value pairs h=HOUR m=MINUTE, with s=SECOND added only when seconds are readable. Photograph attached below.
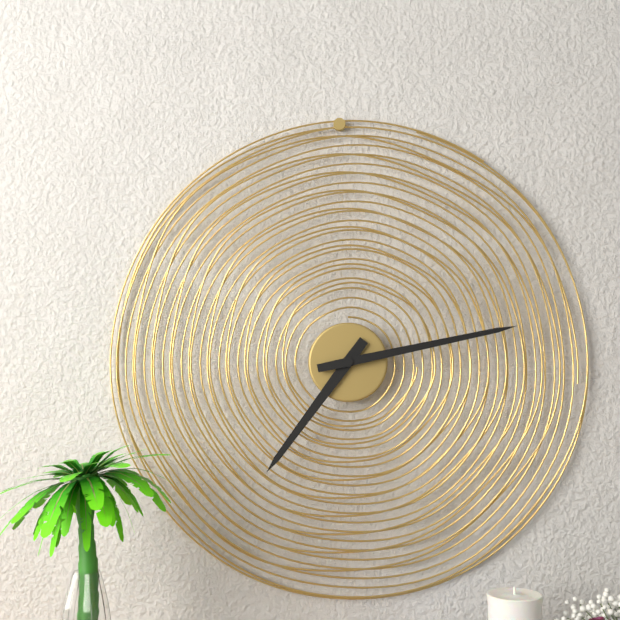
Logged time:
h=7 m=13
